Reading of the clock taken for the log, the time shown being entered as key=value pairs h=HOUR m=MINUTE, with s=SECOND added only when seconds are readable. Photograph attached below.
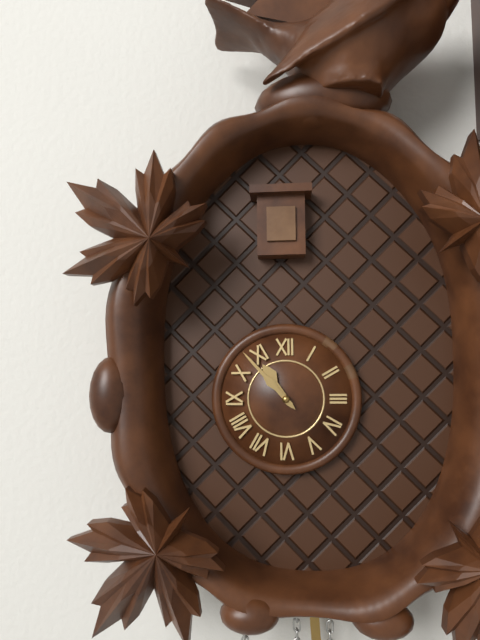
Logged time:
h=10 m=53
